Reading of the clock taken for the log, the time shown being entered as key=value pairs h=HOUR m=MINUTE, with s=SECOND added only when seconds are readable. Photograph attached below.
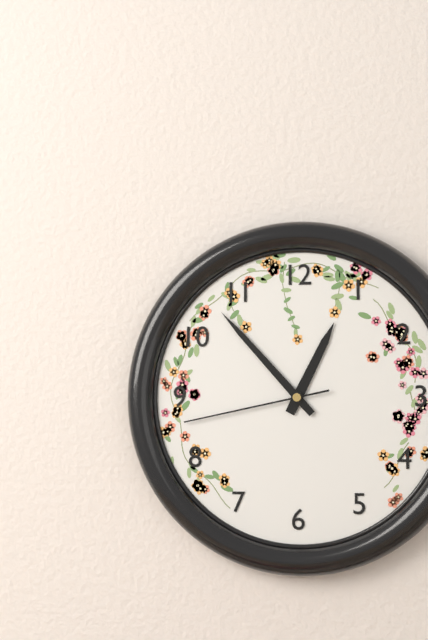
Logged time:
h=12 m=53 s=43
